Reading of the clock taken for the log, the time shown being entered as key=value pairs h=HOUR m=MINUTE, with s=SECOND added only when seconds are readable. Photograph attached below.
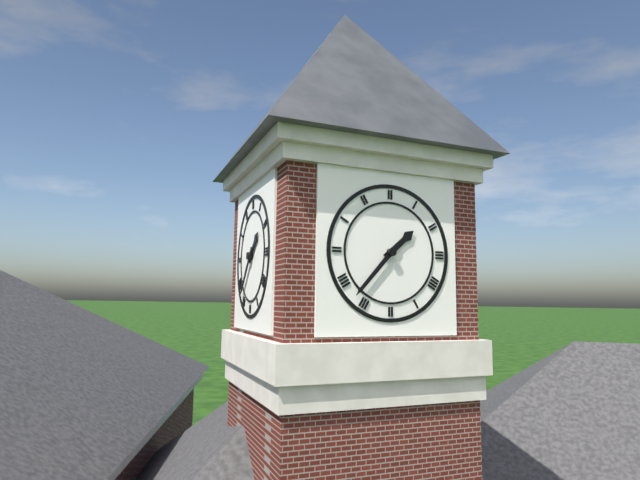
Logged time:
h=1 m=37
